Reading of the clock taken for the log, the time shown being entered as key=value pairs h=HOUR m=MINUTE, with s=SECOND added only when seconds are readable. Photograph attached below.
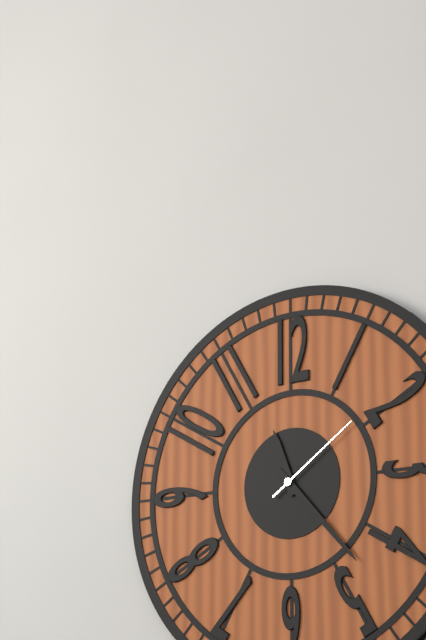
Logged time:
h=11 m=23 s=9
